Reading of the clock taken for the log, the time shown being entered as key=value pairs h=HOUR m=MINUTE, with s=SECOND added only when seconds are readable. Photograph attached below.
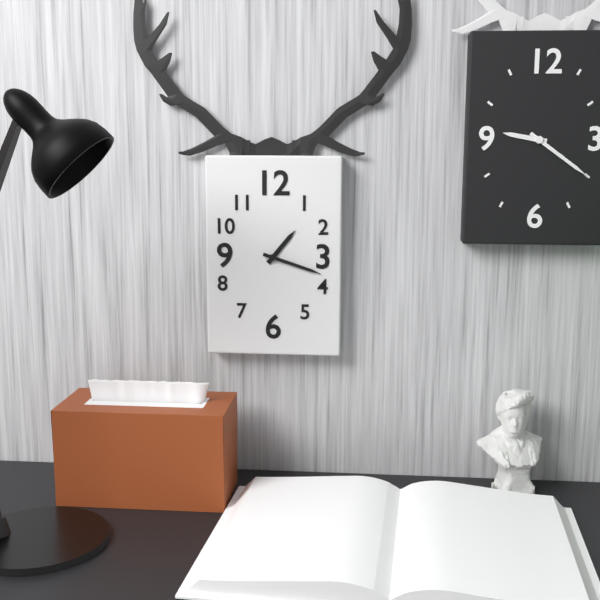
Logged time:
h=1 m=18
